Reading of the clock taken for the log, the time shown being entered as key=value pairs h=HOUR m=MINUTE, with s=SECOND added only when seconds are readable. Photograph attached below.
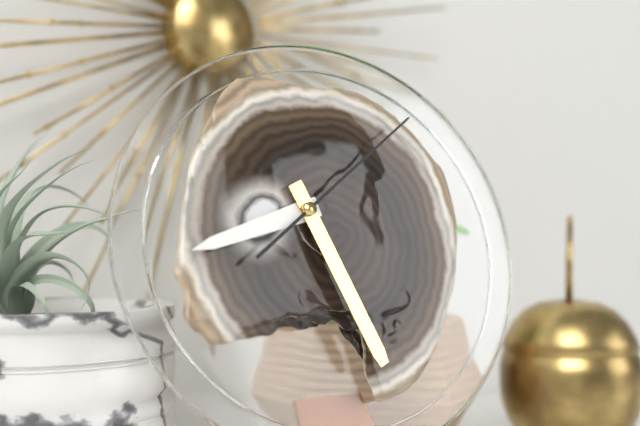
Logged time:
h=8 m=26 s=9
